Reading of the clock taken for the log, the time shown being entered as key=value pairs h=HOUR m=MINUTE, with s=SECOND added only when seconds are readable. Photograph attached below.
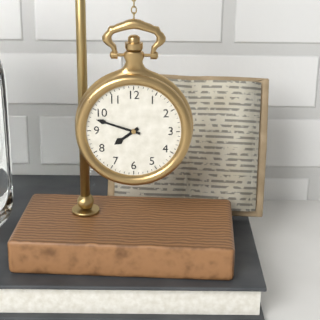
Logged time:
h=7 m=48
